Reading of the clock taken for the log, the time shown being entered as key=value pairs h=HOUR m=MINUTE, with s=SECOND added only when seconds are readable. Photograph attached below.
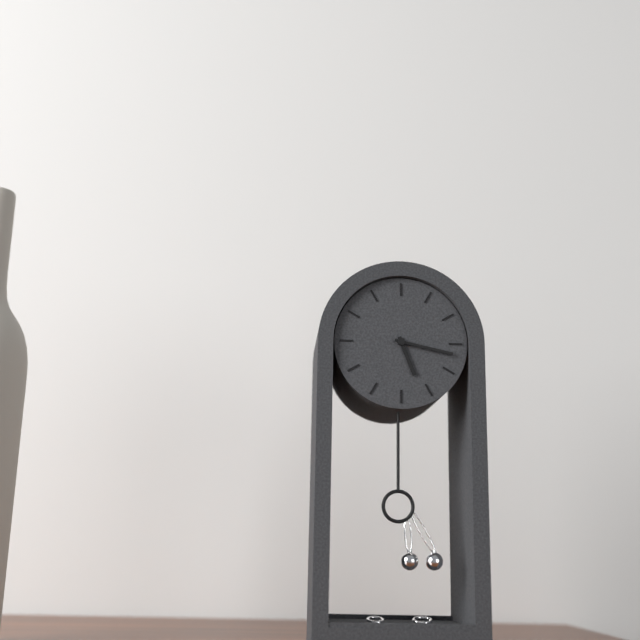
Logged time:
h=5 m=17
